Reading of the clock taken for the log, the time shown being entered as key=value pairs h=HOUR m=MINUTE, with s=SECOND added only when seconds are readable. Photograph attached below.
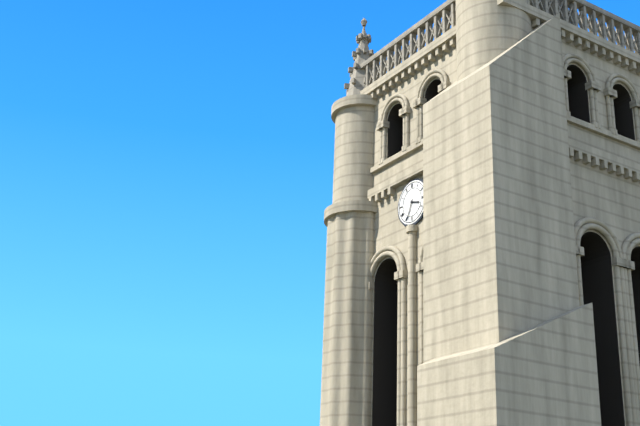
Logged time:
h=3 m=34
